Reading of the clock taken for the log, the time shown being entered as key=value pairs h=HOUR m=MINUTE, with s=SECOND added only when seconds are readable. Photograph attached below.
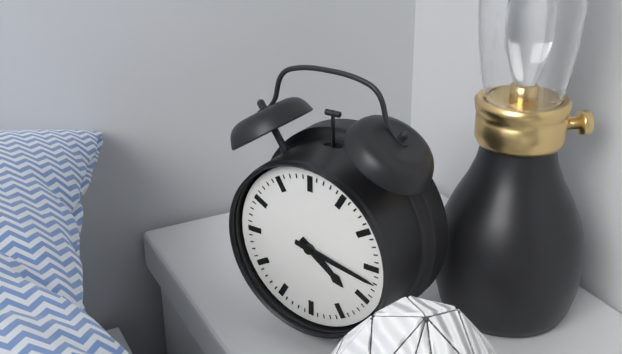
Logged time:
h=4 m=17
